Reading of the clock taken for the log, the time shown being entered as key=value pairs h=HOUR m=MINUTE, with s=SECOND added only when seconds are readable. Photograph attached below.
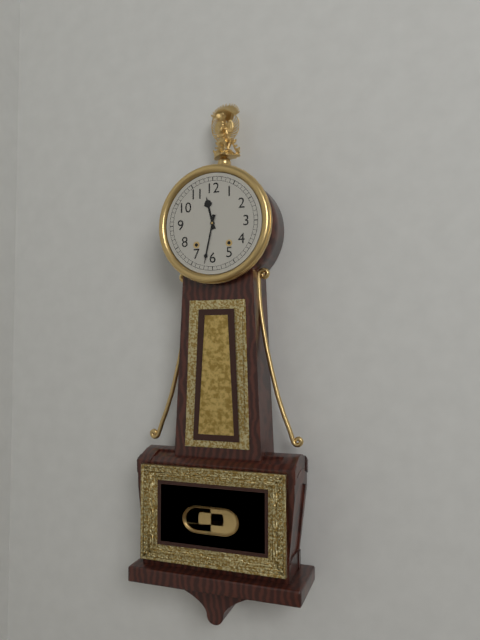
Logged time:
h=11 m=32
